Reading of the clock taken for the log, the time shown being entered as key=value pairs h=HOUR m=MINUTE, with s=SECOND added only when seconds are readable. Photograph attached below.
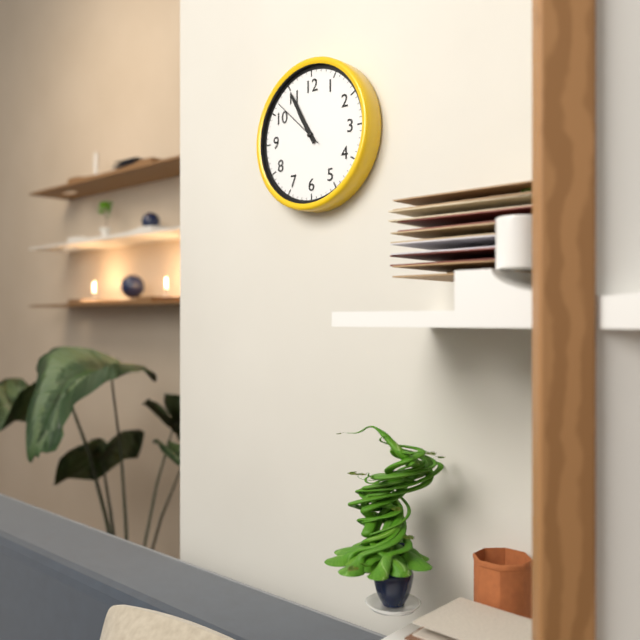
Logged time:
h=10 m=55 s=52
